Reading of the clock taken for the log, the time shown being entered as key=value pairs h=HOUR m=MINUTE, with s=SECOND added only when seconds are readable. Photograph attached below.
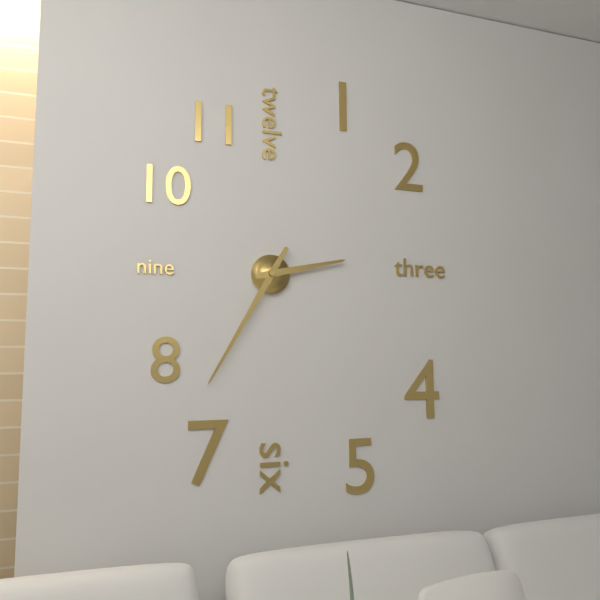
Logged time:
h=2 m=35
